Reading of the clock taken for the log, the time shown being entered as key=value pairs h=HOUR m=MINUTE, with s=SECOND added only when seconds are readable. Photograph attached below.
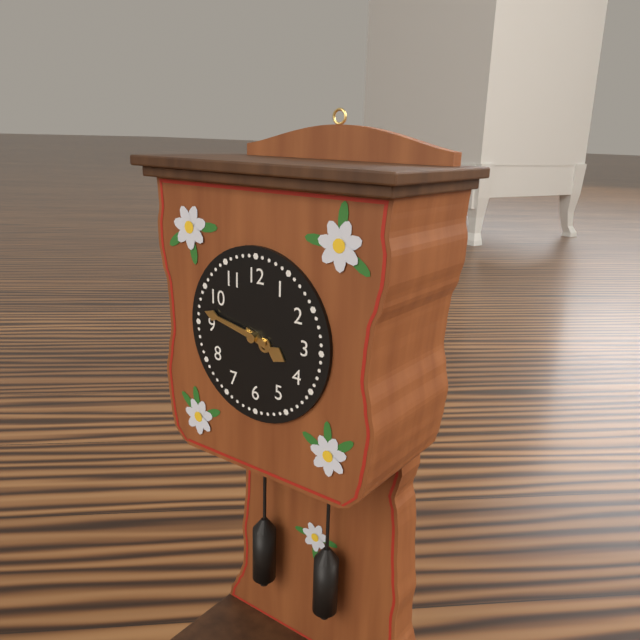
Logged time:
h=3 m=47
